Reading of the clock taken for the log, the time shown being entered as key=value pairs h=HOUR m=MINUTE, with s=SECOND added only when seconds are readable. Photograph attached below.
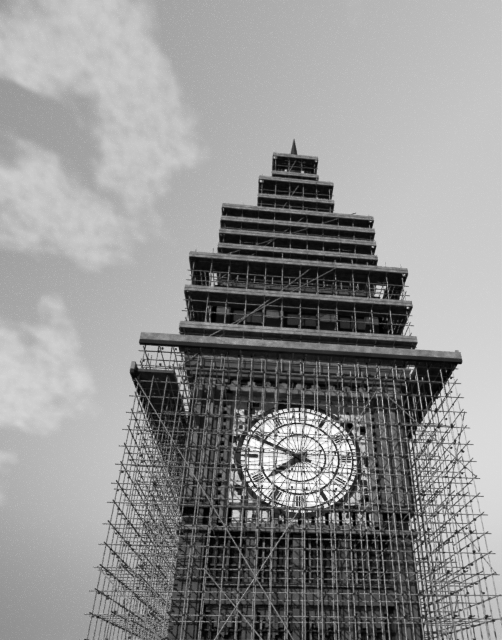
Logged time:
h=7 m=49
